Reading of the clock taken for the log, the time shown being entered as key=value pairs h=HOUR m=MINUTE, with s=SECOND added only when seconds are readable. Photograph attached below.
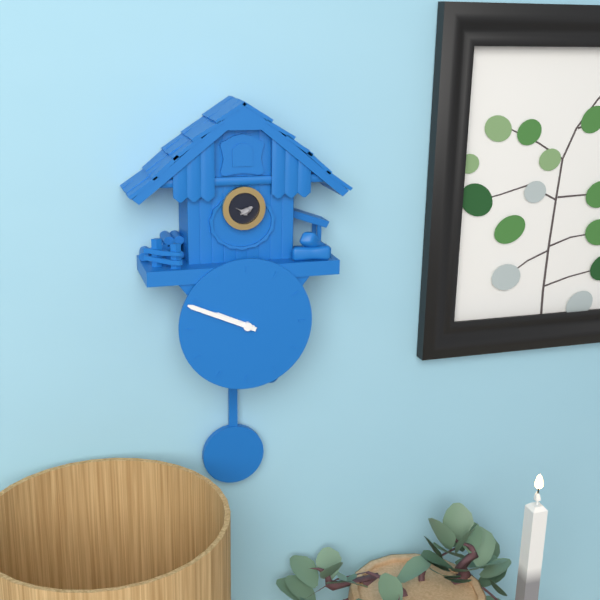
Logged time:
h=9 m=49
